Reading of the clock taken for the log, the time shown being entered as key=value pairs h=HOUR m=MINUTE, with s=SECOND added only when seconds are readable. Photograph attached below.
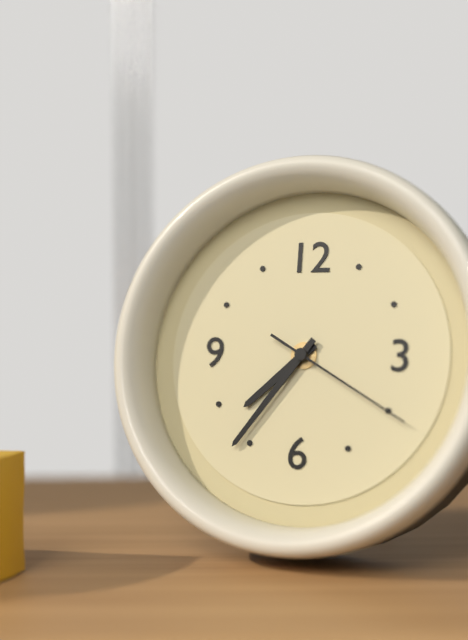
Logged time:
h=7 m=36 s=20
